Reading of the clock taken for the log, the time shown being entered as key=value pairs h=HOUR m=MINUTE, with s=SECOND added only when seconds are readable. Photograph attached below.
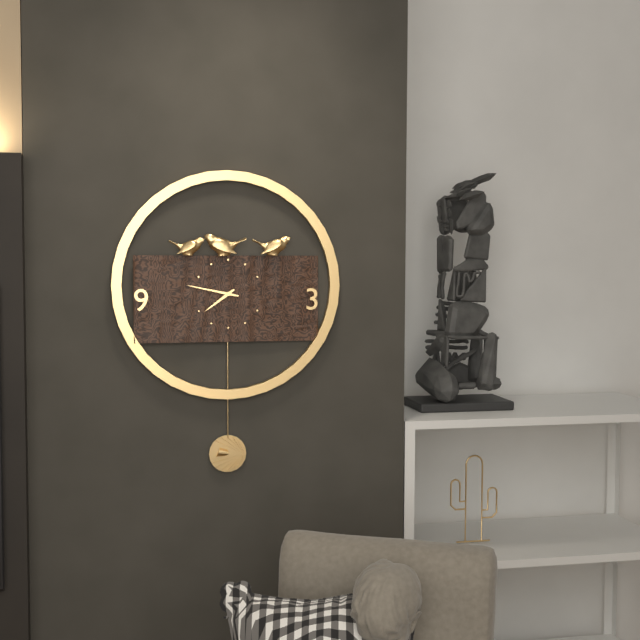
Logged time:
h=7 m=47
